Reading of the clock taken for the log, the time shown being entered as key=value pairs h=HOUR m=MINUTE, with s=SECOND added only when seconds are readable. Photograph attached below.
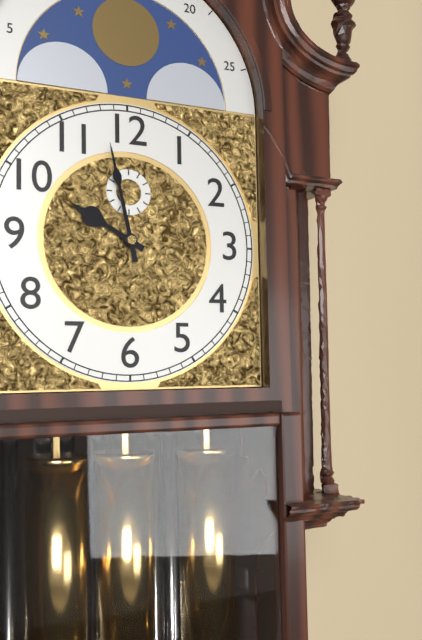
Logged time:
h=9 m=58
